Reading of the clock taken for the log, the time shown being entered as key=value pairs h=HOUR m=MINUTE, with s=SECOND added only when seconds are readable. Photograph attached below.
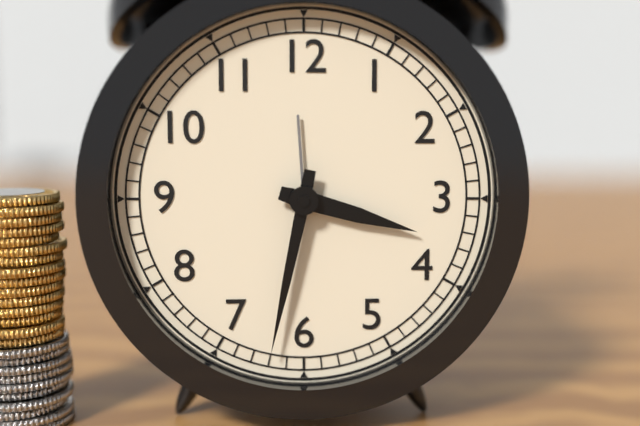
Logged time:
h=3 m=32
